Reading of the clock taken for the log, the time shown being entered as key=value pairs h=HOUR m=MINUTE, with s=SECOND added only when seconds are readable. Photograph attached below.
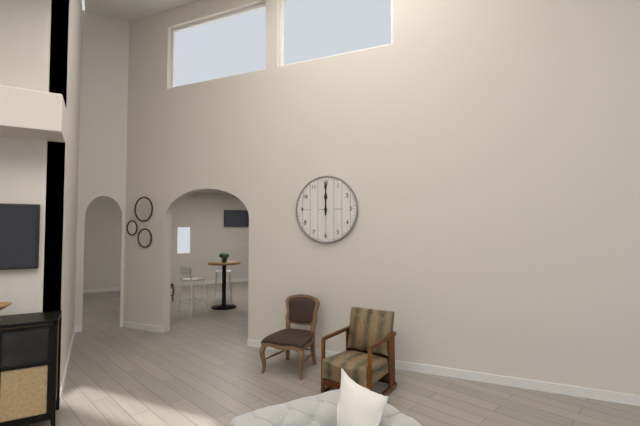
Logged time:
h=12 m=0
